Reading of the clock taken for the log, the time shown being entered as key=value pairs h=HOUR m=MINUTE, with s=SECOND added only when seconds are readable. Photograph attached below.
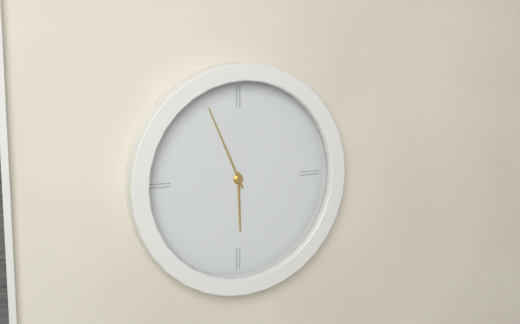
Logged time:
h=5 m=56
